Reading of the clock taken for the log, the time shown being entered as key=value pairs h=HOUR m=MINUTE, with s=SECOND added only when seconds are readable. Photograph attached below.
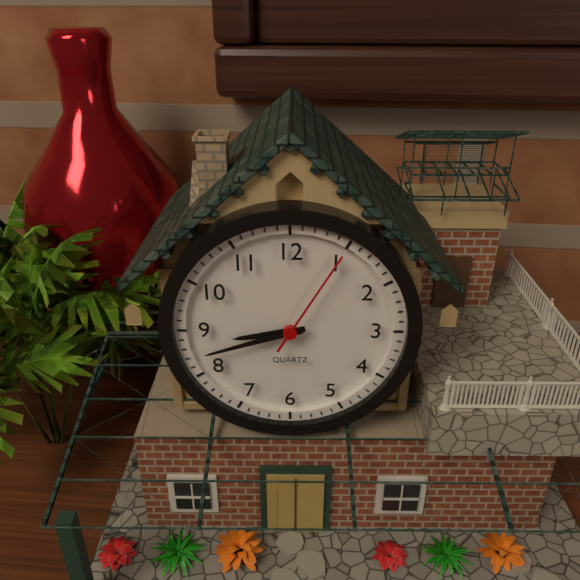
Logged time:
h=8 m=42 s=5
